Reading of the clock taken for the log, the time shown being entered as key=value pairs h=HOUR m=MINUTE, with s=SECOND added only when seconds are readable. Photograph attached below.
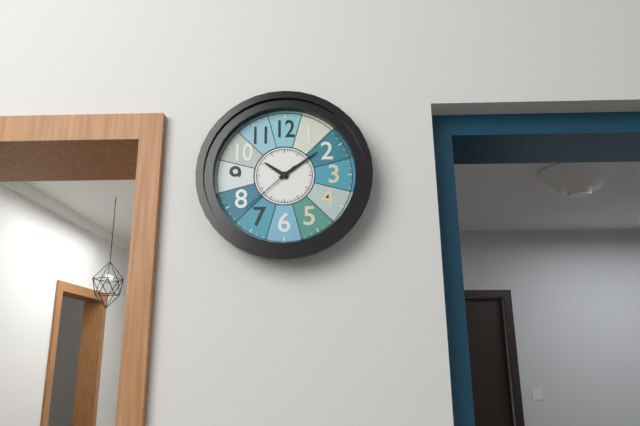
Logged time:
h=10 m=9 s=38
